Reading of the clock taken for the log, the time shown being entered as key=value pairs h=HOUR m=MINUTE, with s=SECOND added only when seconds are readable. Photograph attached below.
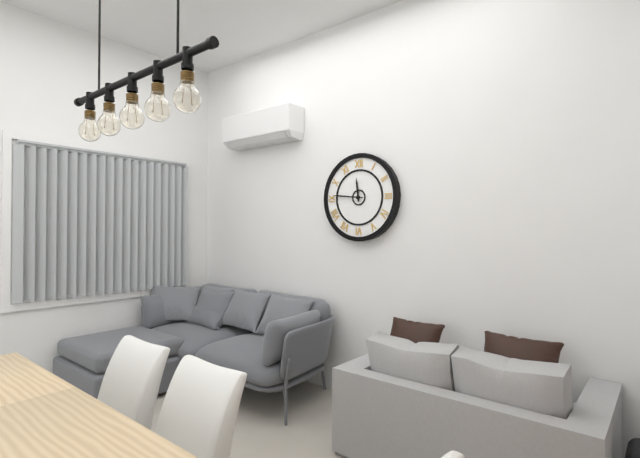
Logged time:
h=11 m=46
